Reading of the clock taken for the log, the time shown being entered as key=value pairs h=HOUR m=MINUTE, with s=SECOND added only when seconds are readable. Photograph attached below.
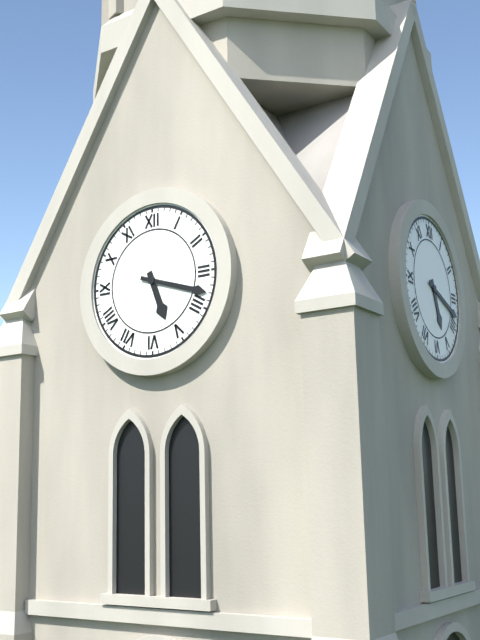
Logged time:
h=5 m=18
